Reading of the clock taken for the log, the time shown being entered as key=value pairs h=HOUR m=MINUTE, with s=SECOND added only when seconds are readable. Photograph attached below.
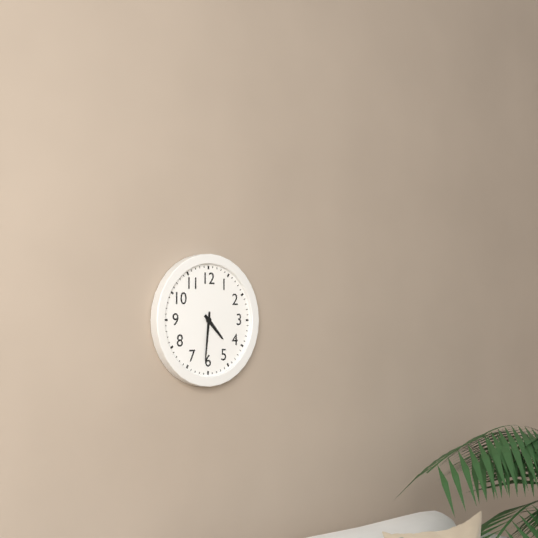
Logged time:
h=4 m=31
